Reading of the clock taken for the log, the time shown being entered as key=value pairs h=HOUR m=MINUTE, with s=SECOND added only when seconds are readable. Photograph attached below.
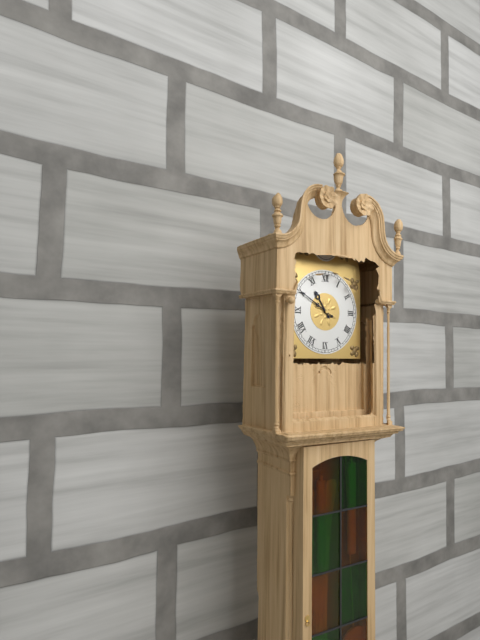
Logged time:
h=10 m=50
